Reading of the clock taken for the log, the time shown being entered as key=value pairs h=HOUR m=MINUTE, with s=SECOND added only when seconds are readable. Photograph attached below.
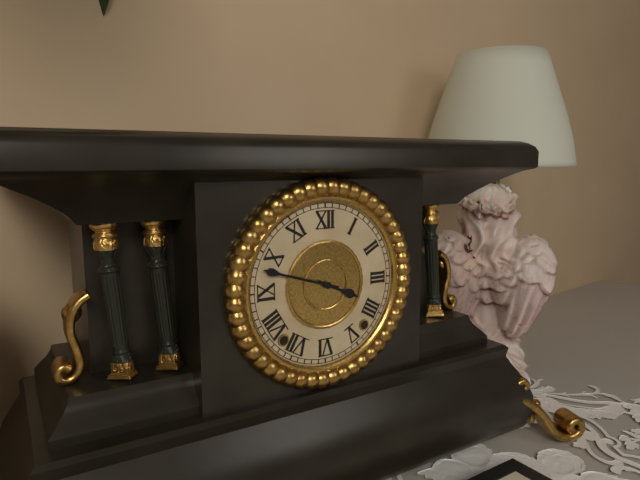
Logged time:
h=3 m=48
